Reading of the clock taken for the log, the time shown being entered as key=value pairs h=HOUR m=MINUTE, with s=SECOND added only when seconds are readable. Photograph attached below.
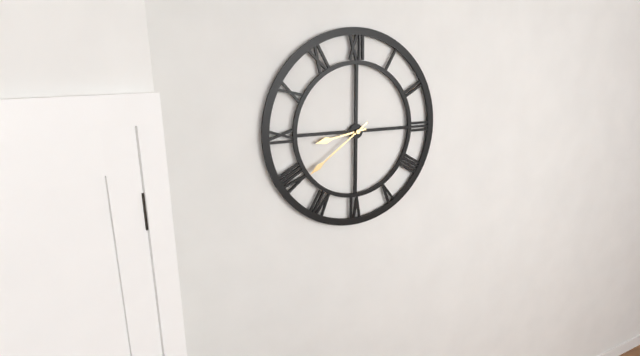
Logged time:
h=8 m=39
